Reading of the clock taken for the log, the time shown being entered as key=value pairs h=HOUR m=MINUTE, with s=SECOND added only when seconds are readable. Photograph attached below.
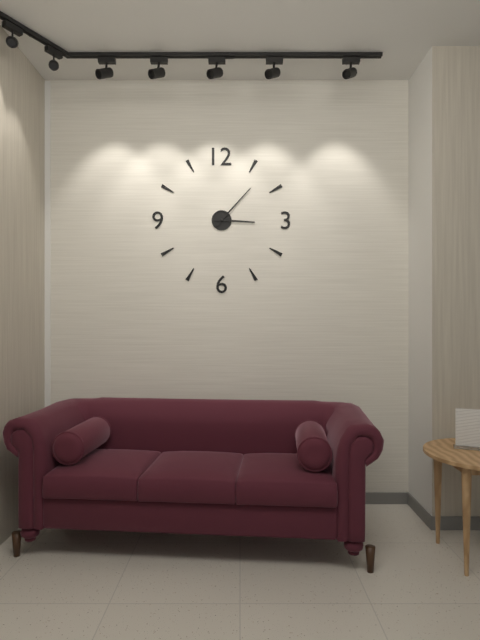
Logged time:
h=3 m=7
